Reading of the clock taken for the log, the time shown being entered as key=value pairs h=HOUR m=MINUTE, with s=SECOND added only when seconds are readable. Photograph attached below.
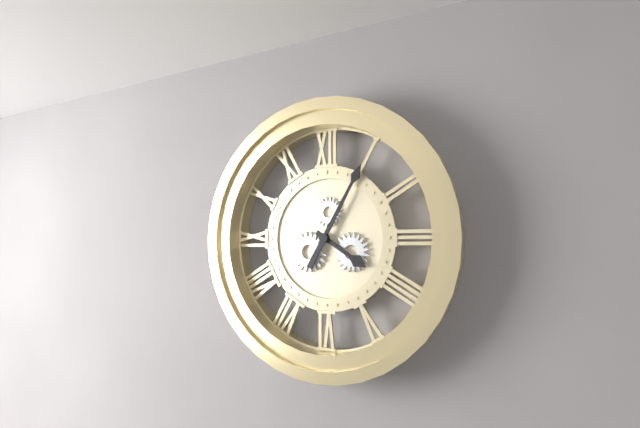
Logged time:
h=4 m=5
